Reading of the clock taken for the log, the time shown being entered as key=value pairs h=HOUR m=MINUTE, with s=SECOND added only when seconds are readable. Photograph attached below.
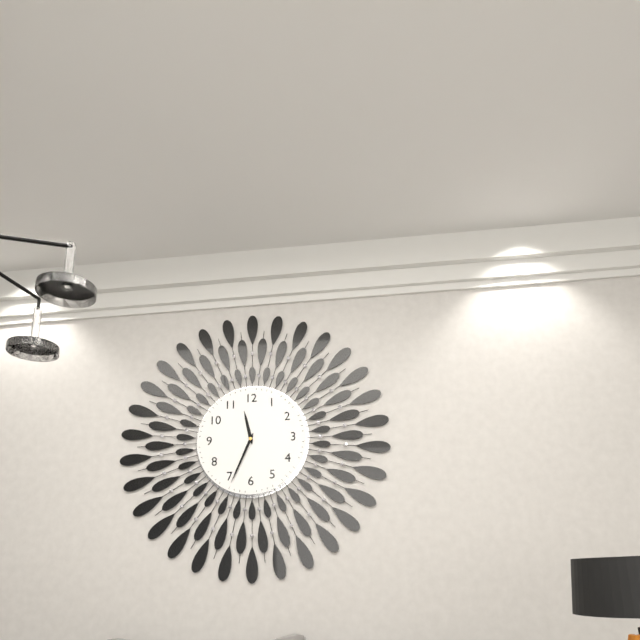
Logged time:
h=11 m=34
